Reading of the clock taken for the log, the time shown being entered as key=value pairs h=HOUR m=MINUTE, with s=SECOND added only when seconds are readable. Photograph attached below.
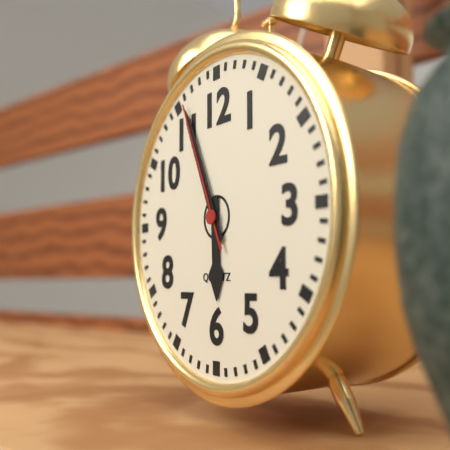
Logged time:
h=5 m=56 s=56
